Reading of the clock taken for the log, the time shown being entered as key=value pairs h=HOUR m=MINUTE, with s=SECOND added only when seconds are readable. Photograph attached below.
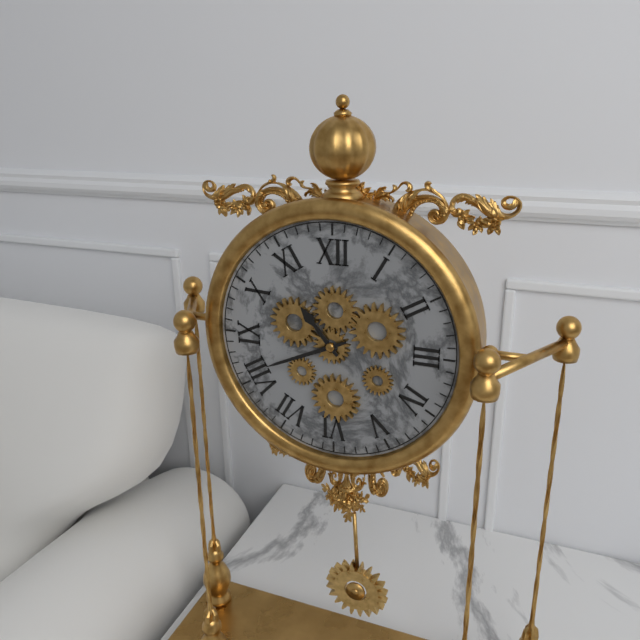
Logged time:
h=10 m=41
